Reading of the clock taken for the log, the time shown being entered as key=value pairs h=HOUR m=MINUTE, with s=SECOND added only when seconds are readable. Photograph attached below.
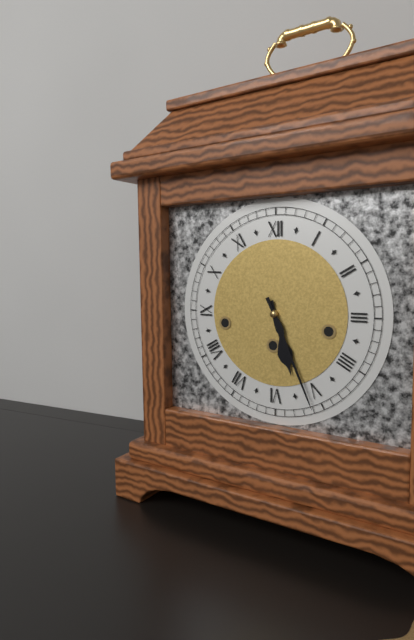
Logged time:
h=5 m=26
